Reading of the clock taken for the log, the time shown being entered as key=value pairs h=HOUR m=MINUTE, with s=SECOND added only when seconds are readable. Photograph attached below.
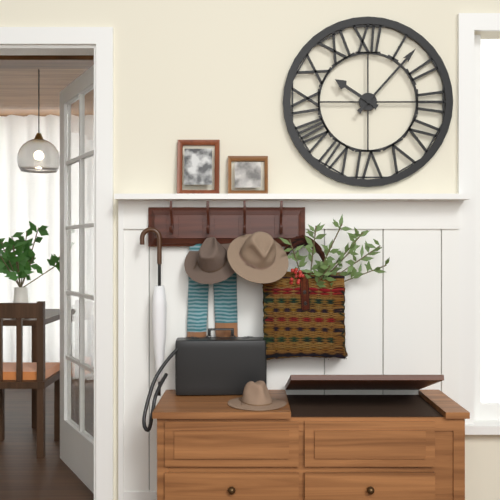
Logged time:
h=10 m=7
